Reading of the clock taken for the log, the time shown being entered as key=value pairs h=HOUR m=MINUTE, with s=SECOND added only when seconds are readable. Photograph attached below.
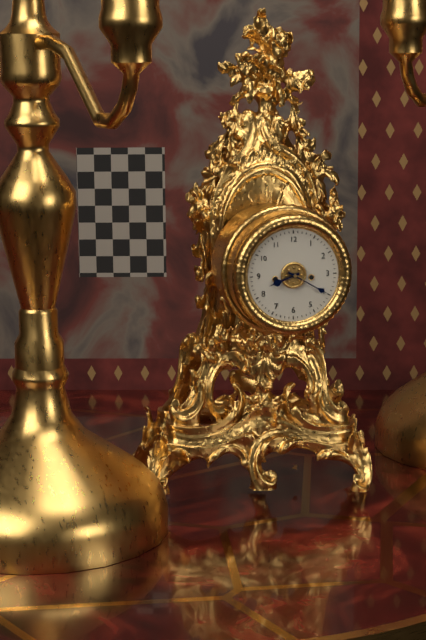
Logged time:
h=8 m=20
